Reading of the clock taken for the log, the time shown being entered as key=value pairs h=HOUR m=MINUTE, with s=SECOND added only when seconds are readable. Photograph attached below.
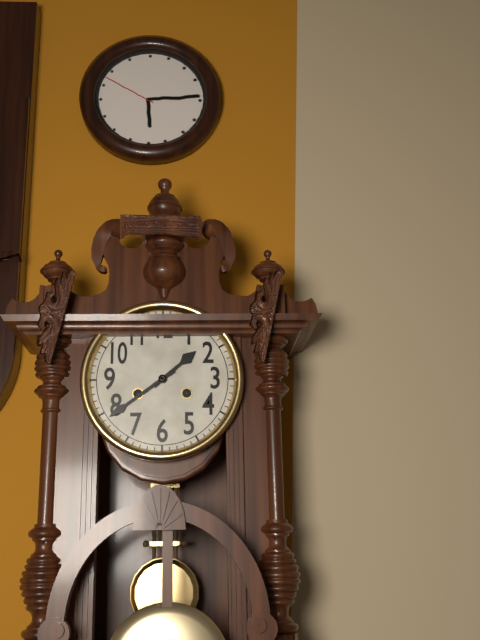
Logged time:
h=1 m=39
